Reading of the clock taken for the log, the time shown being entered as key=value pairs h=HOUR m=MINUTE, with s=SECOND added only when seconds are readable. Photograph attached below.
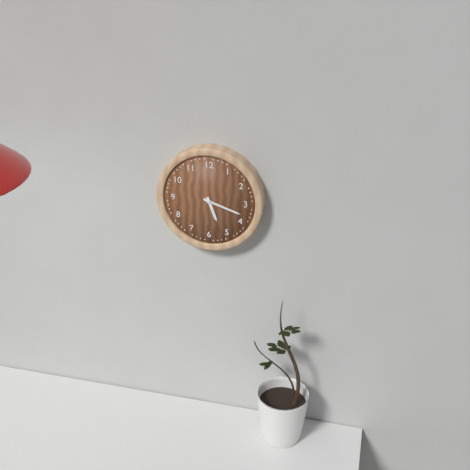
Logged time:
h=5 m=18
